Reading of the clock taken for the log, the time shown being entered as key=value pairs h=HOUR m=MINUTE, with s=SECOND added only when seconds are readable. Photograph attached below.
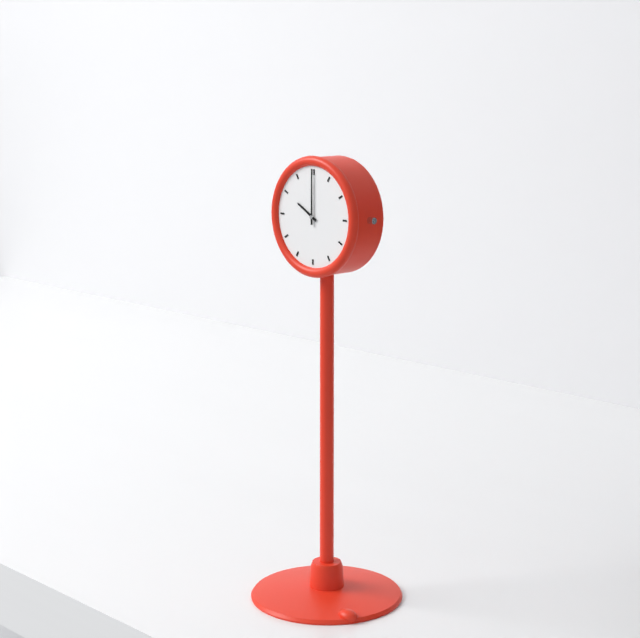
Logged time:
h=10 m=0
